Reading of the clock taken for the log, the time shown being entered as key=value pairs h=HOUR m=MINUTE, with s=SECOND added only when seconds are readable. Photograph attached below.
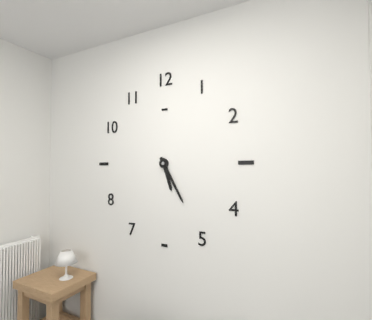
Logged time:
h=5 m=25
